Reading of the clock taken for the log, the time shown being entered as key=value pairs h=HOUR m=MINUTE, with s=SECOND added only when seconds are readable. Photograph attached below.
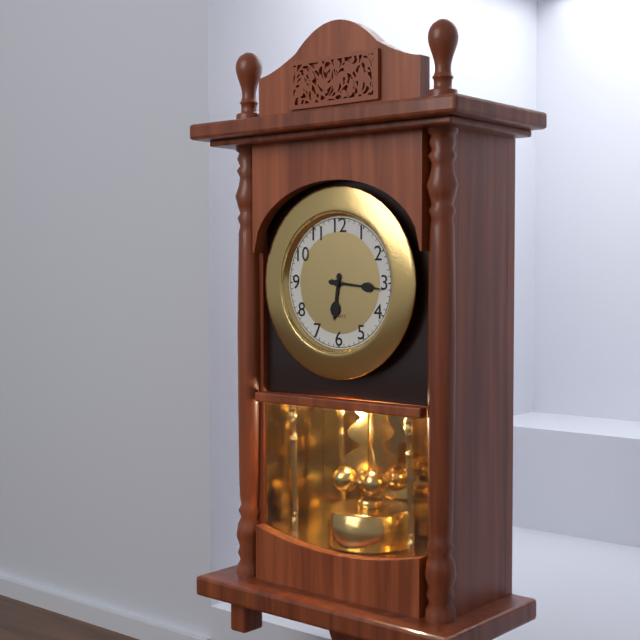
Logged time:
h=6 m=16
